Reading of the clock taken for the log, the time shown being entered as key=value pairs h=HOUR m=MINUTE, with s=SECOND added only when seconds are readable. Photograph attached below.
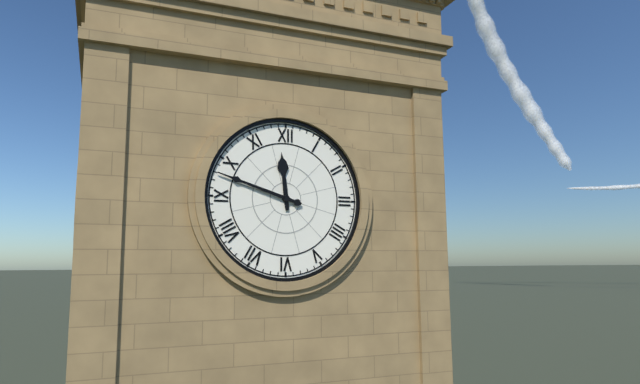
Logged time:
h=11 m=48
